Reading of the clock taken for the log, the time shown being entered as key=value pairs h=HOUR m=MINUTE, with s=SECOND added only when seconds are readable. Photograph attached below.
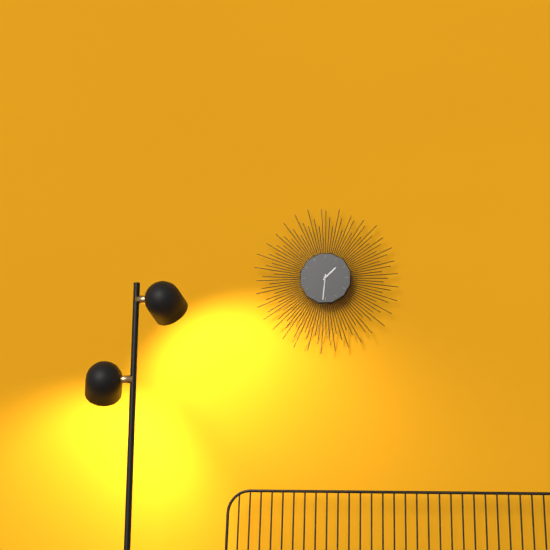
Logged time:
h=1 m=31
